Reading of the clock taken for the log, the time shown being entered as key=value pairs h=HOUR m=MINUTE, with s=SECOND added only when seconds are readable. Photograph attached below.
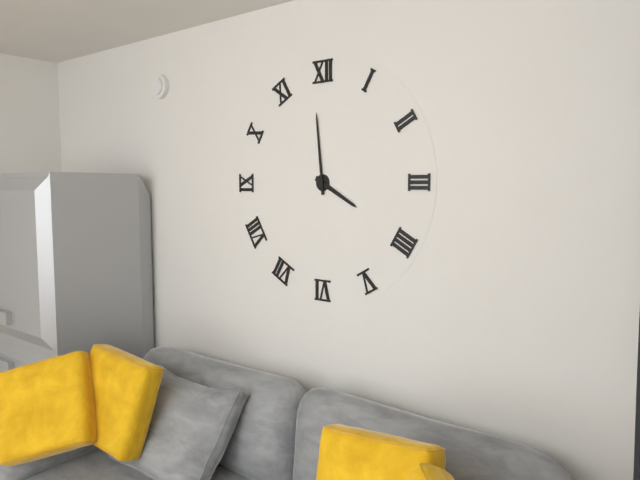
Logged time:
h=3 m=59
